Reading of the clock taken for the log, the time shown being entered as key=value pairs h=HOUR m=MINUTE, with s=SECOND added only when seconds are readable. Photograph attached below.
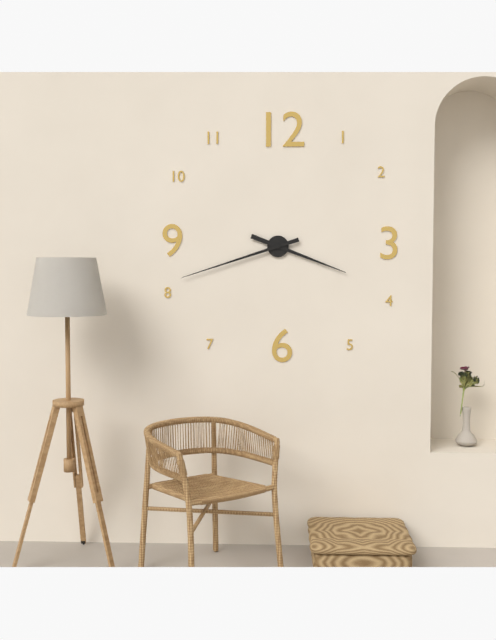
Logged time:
h=3 m=42
